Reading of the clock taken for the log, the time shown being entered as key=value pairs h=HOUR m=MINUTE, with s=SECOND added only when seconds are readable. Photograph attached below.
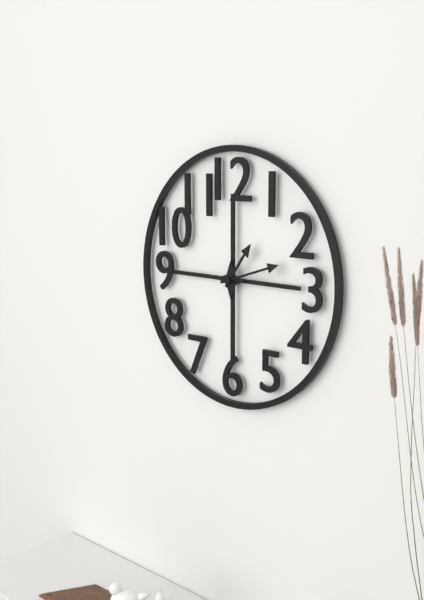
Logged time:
h=1 m=12
